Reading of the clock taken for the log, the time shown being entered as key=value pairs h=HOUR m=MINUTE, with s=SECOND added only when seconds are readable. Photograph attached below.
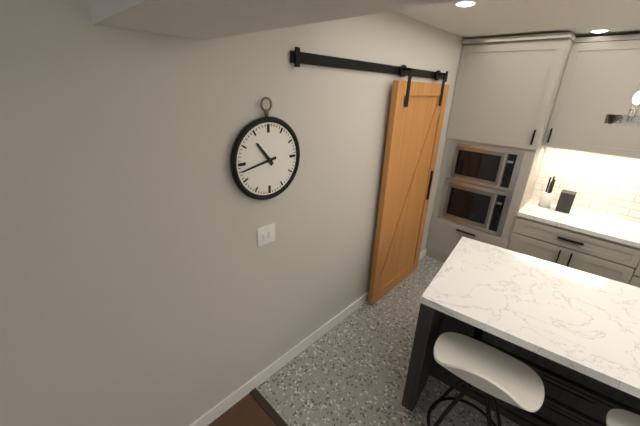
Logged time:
h=10 m=43
